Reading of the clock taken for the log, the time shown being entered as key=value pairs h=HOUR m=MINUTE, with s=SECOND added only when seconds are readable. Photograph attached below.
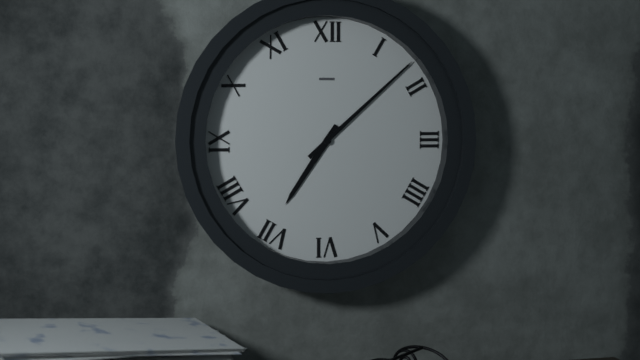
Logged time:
h=7 m=8
